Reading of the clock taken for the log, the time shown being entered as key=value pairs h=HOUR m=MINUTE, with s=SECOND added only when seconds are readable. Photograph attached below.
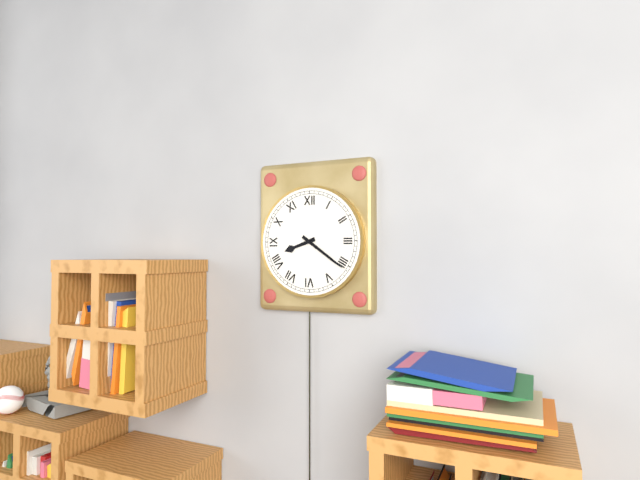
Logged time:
h=8 m=21
